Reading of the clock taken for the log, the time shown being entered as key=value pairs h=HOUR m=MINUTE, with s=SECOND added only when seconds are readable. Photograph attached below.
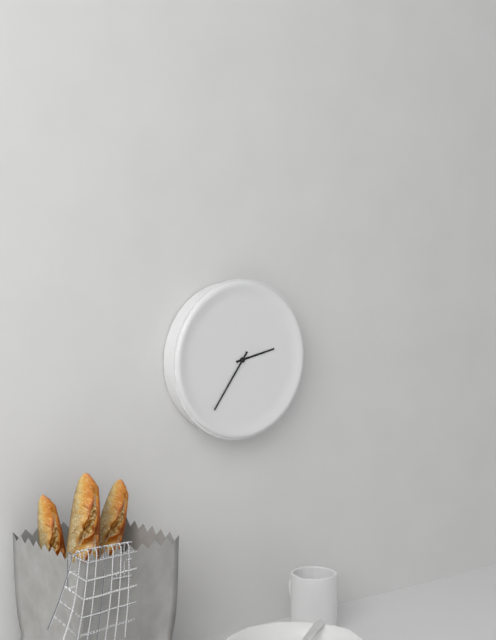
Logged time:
h=2 m=36
